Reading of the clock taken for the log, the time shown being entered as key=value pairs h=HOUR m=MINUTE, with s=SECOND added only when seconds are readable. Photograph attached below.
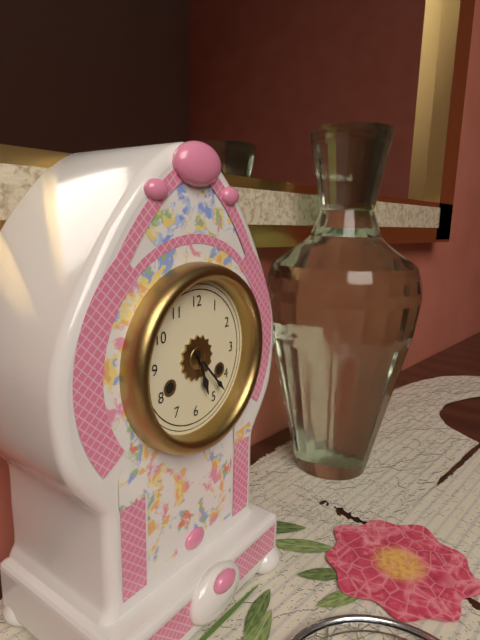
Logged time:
h=5 m=23
